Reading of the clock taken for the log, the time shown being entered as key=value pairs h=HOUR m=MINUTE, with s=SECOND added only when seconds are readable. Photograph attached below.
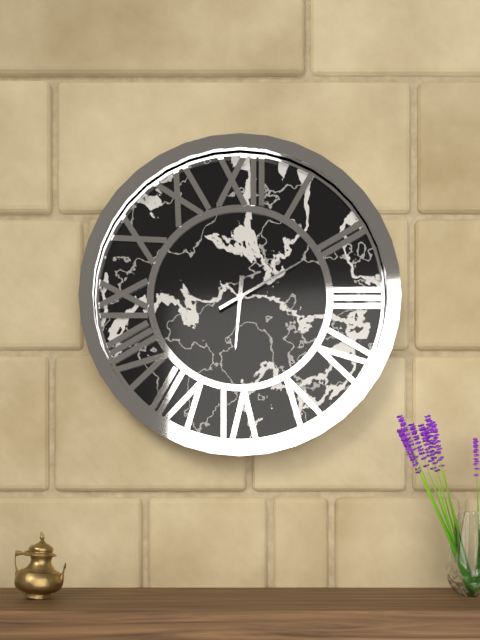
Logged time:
h=6 m=10
